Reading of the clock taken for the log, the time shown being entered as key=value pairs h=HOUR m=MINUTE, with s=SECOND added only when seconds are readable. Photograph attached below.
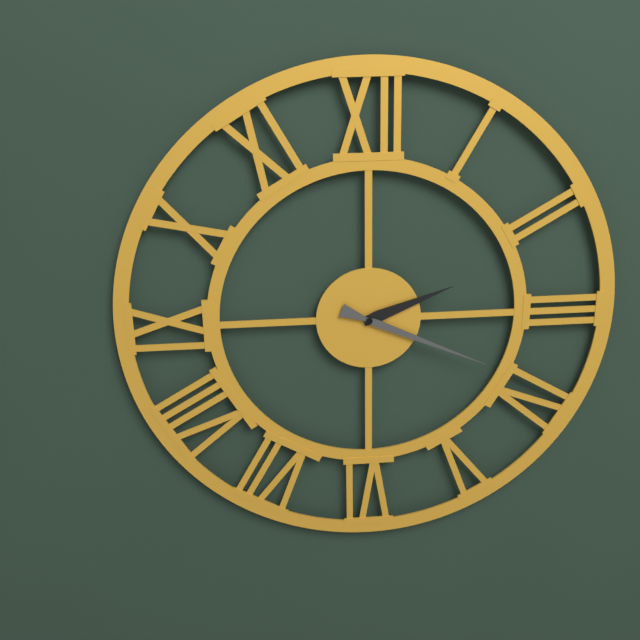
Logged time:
h=2 m=19
